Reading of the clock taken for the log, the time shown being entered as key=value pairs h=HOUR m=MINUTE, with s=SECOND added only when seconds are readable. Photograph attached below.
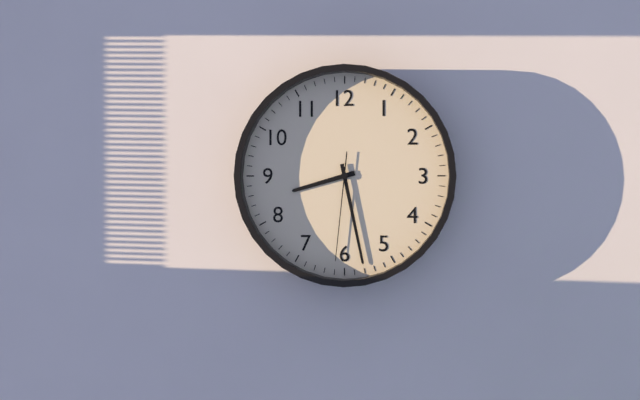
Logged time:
h=8 m=28 s=31
